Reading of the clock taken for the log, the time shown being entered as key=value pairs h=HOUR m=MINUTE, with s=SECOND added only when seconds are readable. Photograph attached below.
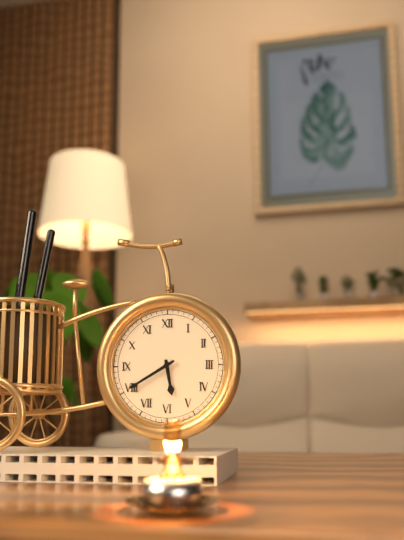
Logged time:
h=5 m=40
